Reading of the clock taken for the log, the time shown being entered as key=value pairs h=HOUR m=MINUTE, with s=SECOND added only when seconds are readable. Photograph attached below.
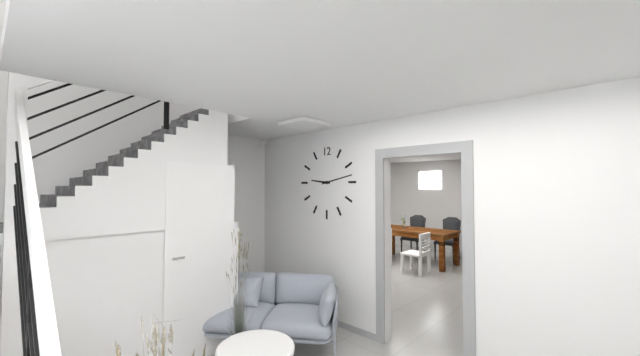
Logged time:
h=9 m=13
